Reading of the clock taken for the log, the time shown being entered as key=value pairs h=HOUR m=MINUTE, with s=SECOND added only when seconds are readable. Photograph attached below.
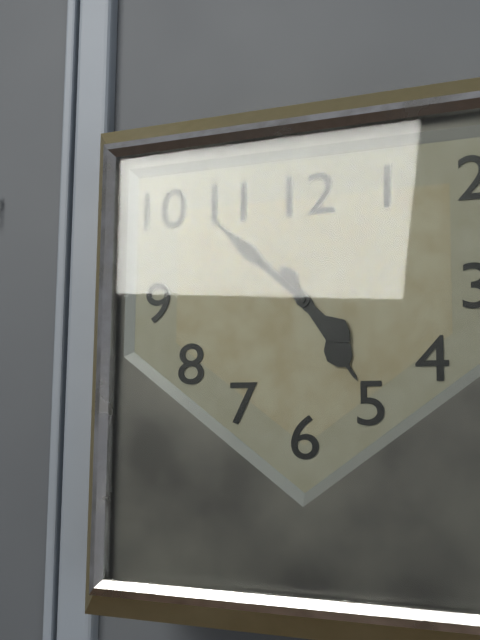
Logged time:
h=4 m=52
